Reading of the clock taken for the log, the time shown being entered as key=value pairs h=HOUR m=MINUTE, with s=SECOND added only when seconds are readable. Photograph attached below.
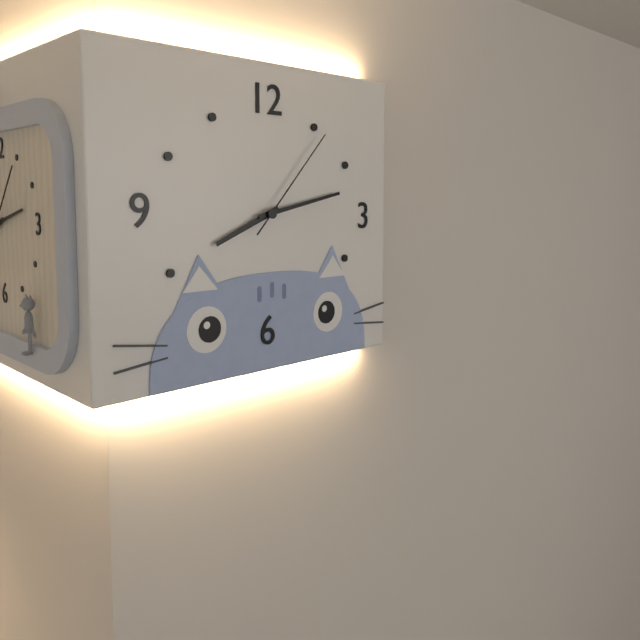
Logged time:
h=8 m=13 s=7
